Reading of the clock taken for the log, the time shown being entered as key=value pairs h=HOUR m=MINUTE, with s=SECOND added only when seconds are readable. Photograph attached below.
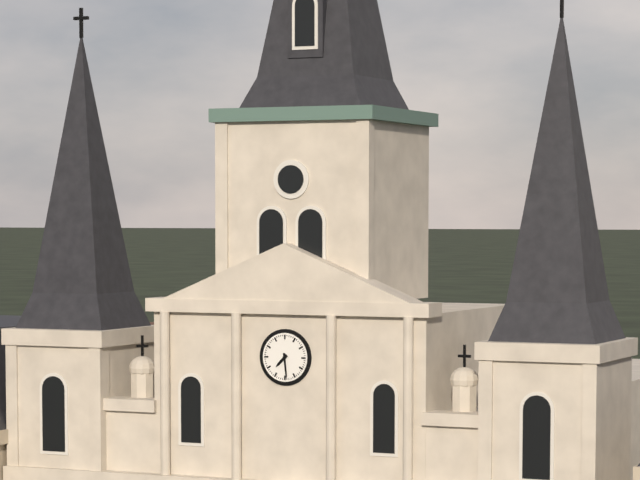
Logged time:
h=7 m=29
